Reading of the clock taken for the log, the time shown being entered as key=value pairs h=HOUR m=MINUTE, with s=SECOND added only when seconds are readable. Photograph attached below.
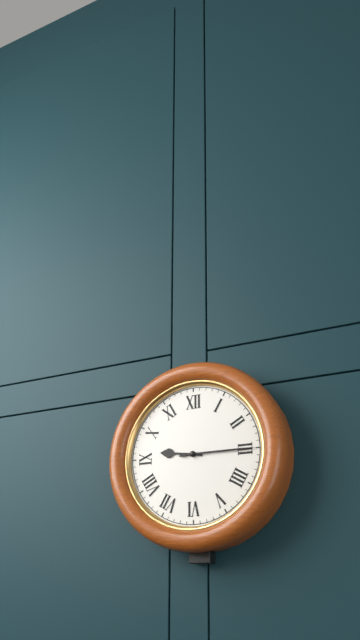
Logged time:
h=9 m=15
